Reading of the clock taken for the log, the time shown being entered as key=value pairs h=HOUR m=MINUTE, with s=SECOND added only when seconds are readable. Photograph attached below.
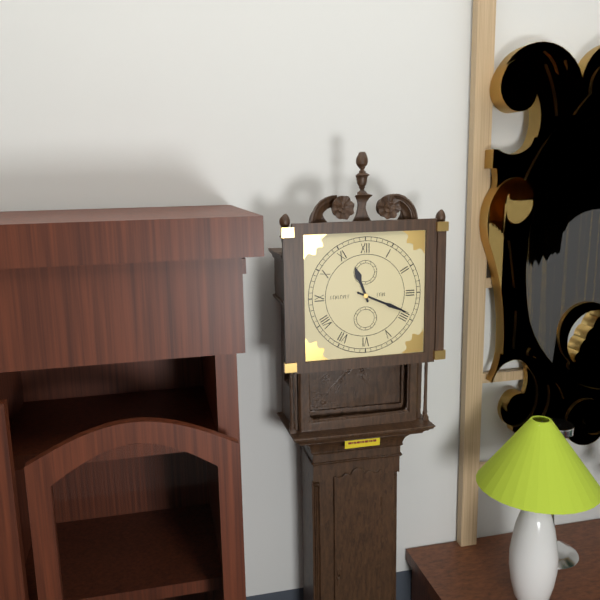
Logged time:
h=11 m=19
